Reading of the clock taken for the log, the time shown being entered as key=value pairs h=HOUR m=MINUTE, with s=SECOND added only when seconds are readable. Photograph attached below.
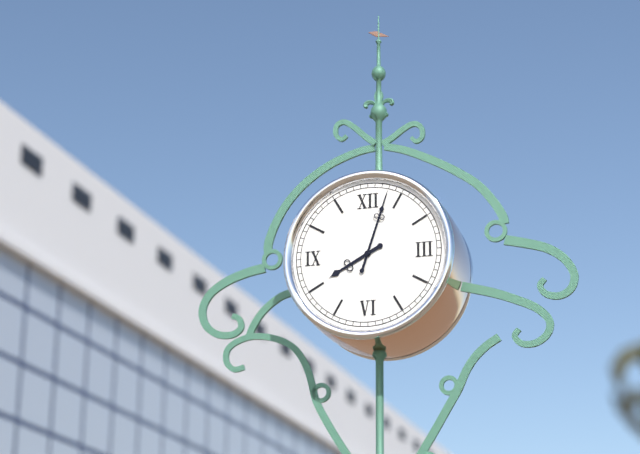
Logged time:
h=8 m=3
